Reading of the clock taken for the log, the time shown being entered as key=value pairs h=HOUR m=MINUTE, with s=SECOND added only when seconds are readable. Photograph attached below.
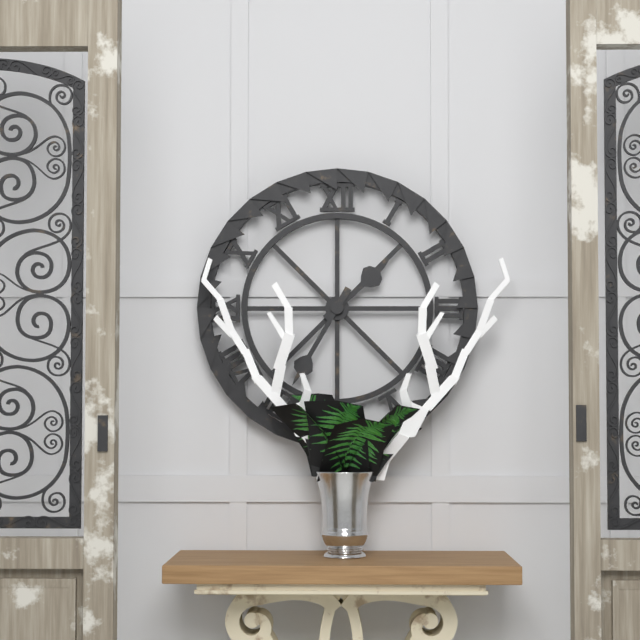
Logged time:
h=1 m=35
